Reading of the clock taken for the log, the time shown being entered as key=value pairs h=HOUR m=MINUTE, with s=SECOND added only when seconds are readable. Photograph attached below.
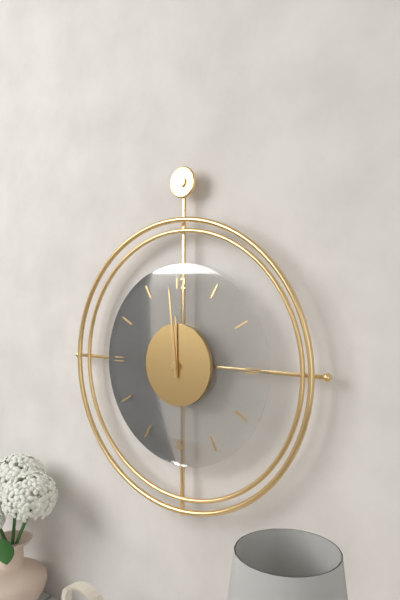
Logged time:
h=11 m=59
